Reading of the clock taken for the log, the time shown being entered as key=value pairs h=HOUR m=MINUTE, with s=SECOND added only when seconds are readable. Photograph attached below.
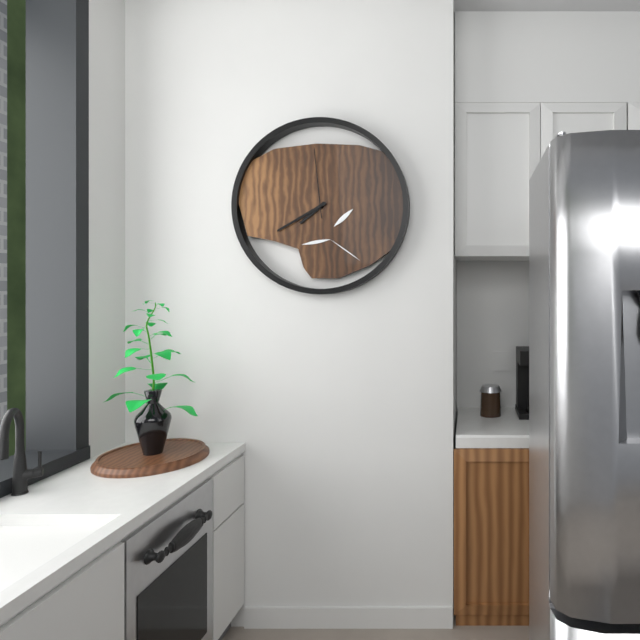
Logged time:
h=7 m=40 s=59
